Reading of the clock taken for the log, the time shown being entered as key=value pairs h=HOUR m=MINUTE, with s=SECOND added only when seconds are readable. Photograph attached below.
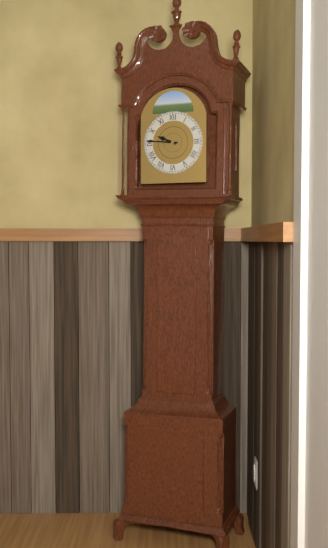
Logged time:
h=9 m=46
